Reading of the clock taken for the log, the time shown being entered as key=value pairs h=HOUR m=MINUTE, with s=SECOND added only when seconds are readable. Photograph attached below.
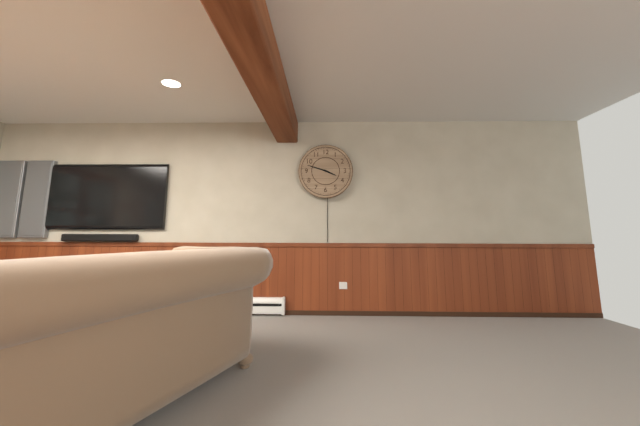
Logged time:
h=3 m=48
